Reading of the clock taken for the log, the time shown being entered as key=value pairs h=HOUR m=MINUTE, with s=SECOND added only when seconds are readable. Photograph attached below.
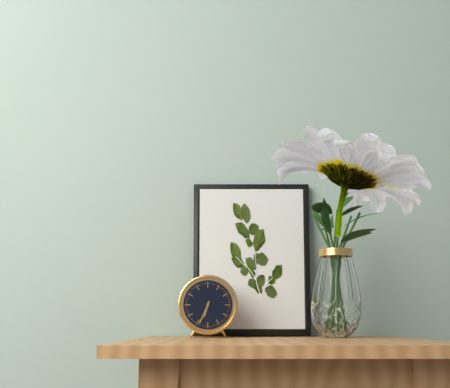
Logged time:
h=6 m=34
